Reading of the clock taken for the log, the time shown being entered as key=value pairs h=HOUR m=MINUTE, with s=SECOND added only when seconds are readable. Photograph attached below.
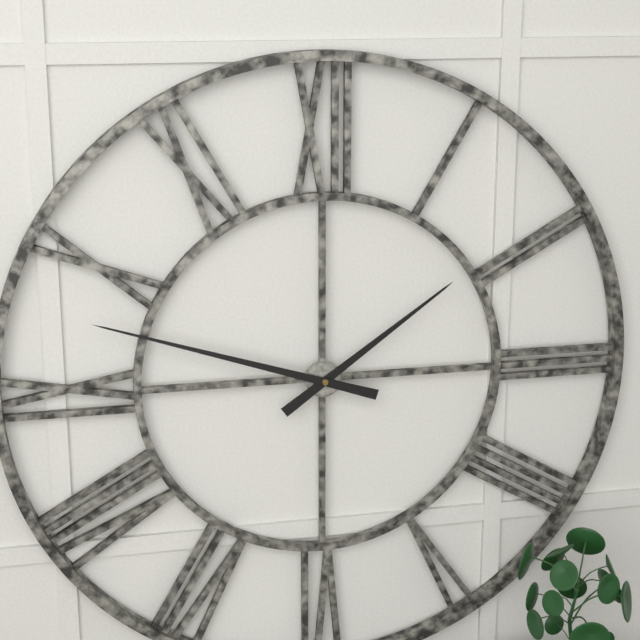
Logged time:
h=1 m=48
